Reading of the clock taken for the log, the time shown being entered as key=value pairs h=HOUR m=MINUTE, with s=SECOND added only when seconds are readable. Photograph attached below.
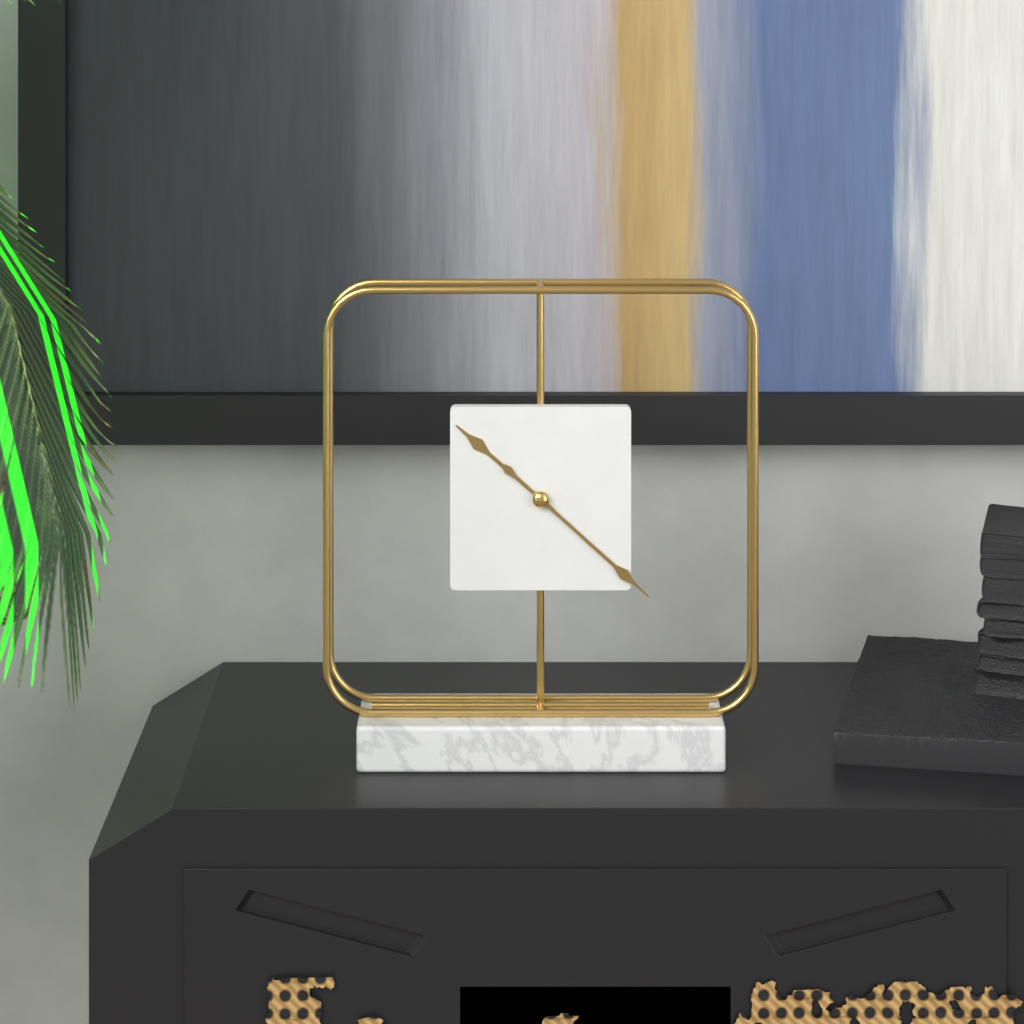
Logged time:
h=10 m=22
